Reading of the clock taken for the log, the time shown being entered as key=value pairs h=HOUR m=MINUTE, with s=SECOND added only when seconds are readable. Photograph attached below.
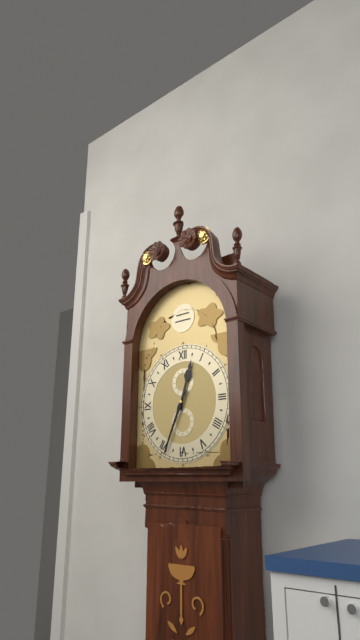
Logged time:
h=12 m=34
